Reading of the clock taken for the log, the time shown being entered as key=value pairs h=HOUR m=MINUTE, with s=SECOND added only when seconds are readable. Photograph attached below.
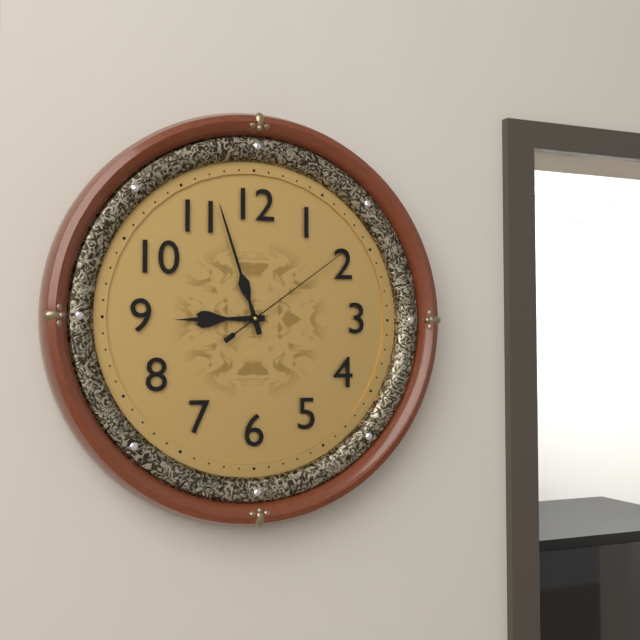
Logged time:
h=8 m=57 s=9
